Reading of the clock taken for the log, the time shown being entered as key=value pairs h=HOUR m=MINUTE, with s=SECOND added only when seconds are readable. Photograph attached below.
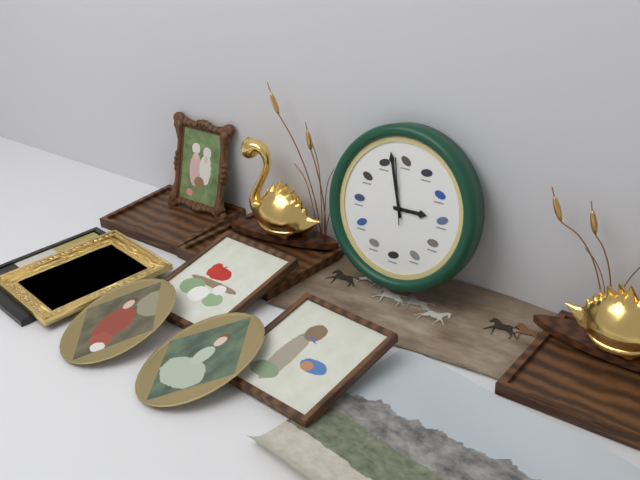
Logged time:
h=2 m=57 s=58
